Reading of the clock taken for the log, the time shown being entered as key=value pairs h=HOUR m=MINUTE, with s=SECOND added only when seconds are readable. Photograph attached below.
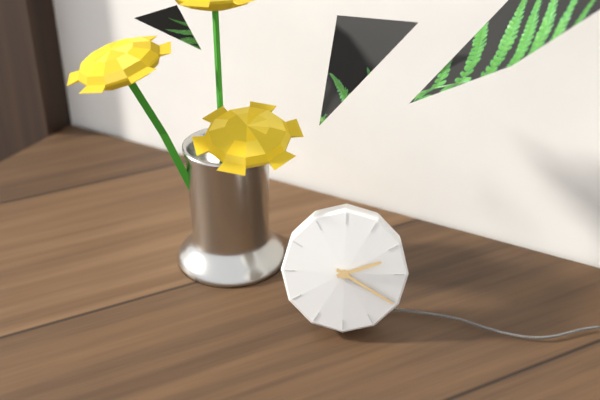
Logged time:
h=2 m=20
